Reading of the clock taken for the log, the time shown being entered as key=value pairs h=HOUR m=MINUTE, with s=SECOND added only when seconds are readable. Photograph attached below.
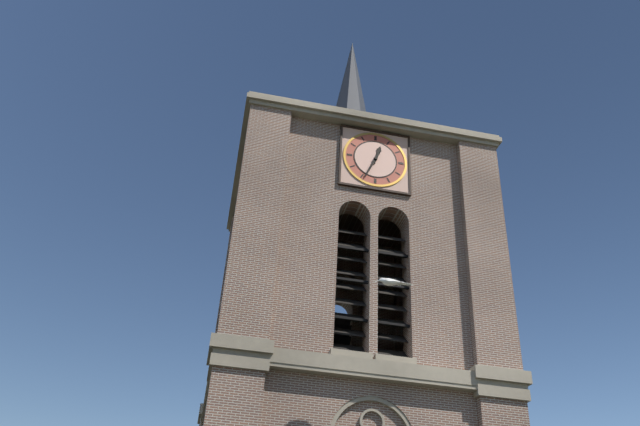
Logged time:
h=12 m=34
